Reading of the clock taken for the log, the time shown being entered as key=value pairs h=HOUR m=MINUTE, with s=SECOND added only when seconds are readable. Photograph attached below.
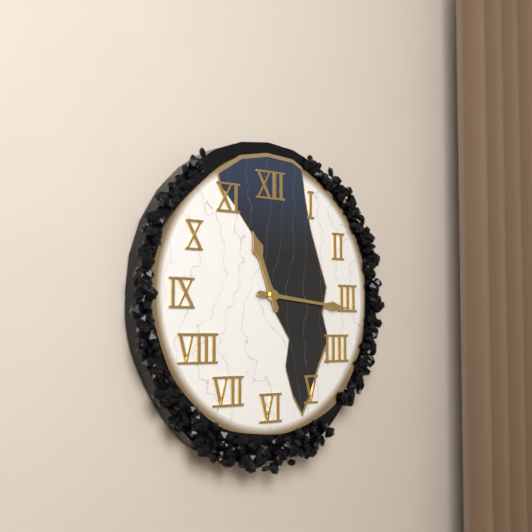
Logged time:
h=11 m=16
